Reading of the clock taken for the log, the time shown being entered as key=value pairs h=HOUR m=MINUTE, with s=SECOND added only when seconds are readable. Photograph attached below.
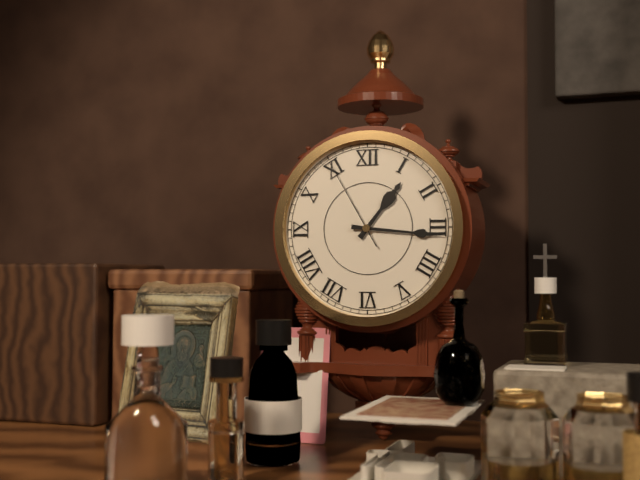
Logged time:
h=1 m=16 s=55
